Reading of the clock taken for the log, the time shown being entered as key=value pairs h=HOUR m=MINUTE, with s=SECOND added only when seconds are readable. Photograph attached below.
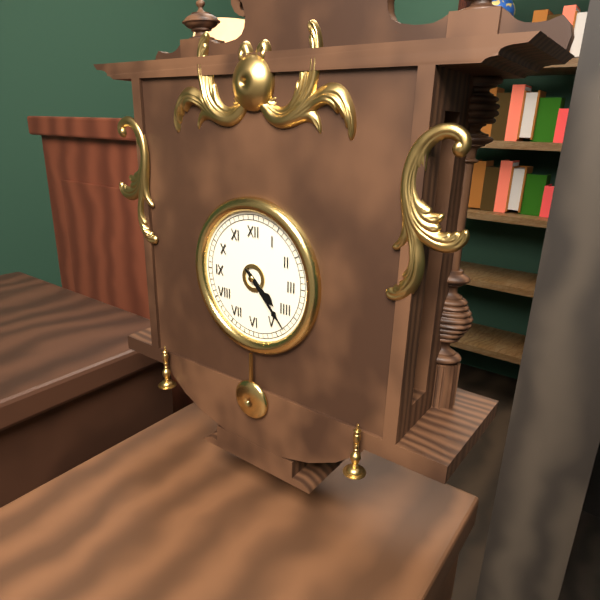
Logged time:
h=4 m=23
